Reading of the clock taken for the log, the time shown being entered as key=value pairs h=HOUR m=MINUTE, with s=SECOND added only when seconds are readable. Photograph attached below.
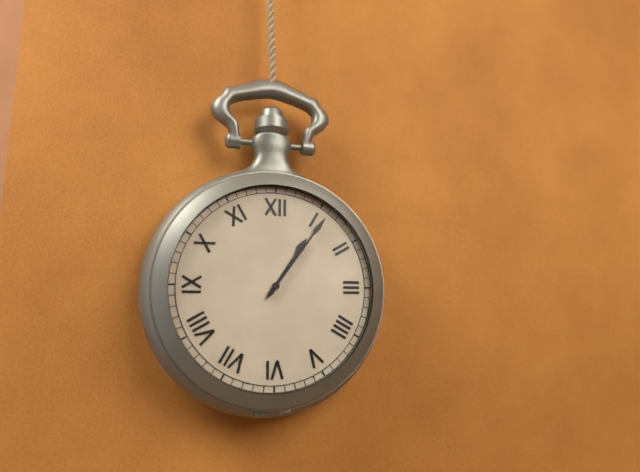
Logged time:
h=1 m=6
